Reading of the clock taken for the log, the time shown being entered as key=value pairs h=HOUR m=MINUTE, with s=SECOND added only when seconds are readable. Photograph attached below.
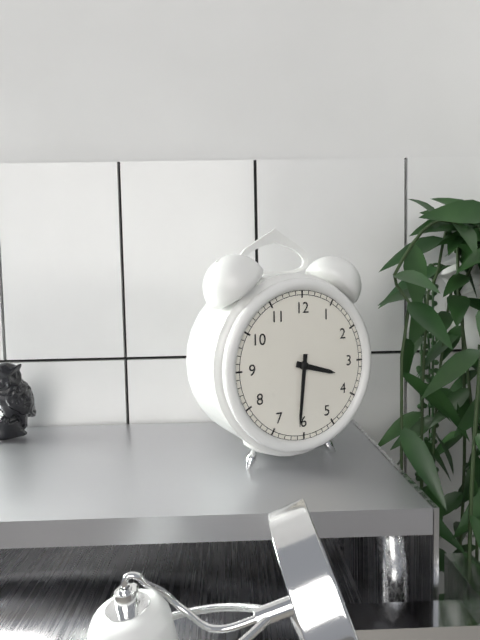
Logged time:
h=3 m=31
